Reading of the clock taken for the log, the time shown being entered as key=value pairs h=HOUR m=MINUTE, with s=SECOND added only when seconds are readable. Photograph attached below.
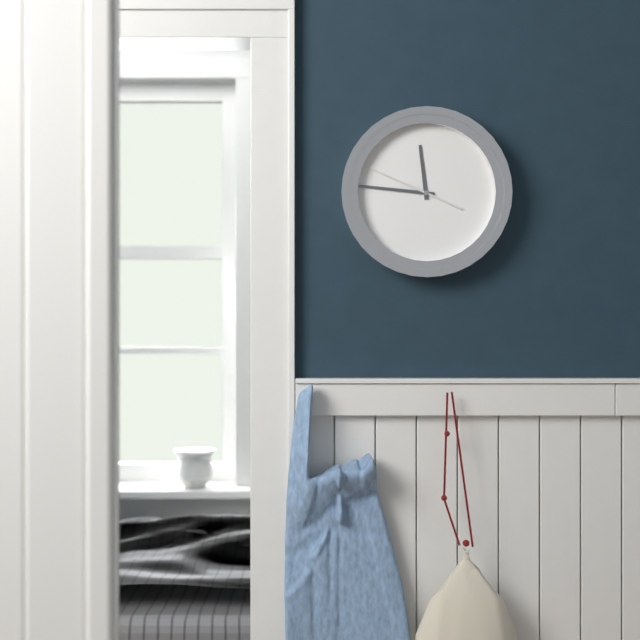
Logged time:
h=11 m=46 s=49
